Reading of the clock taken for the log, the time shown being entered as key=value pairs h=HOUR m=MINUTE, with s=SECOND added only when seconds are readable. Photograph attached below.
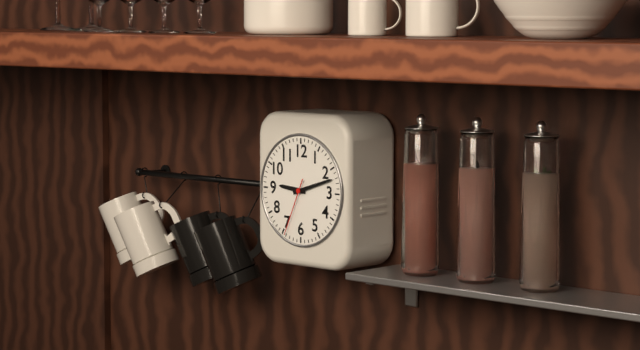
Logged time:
h=9 m=12 s=34
